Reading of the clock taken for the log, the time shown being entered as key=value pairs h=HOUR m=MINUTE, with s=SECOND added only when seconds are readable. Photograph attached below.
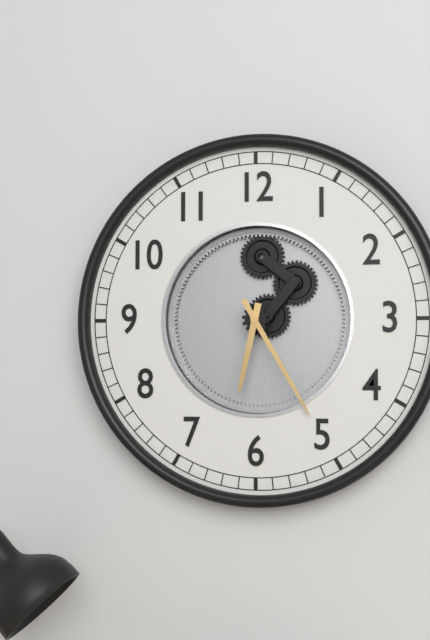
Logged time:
h=6 m=25
